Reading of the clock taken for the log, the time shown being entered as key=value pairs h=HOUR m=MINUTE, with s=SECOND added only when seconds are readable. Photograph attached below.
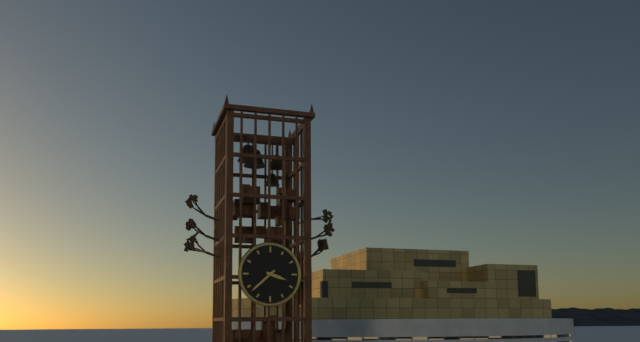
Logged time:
h=3 m=38
